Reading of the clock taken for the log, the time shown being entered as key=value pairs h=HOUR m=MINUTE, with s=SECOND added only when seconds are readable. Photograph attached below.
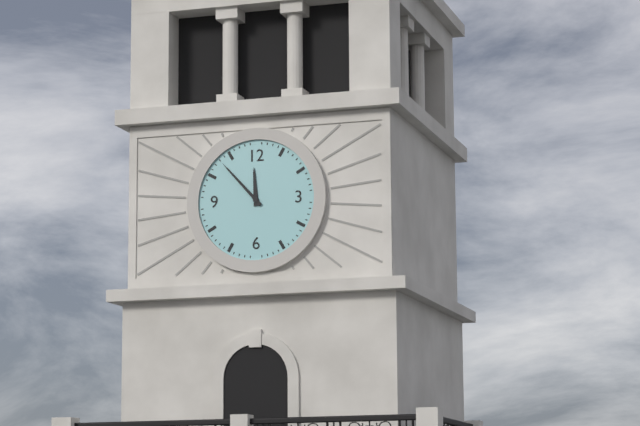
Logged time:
h=11 m=53
